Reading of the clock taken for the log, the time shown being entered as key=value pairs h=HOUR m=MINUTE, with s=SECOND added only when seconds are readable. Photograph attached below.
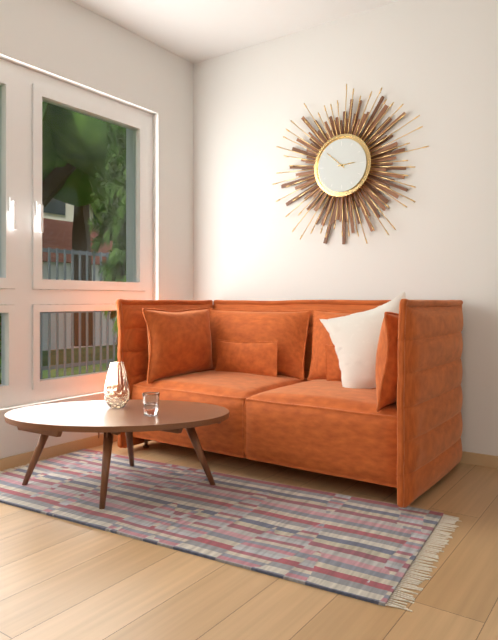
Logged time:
h=2 m=52
